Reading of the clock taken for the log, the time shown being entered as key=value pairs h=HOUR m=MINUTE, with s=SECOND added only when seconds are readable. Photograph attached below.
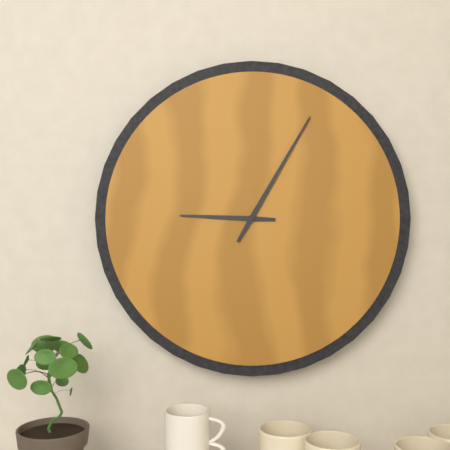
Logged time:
h=9 m=5
